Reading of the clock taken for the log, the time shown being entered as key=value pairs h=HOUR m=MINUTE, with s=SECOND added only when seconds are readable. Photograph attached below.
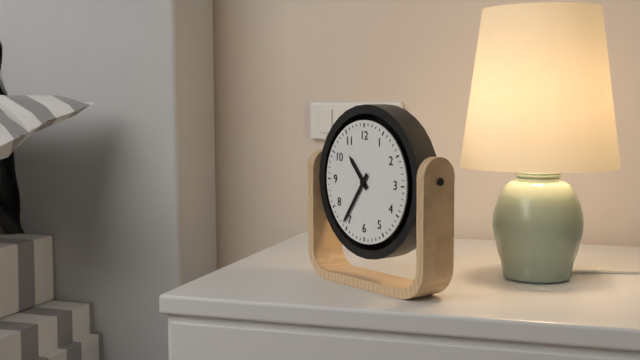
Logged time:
h=10 m=36
